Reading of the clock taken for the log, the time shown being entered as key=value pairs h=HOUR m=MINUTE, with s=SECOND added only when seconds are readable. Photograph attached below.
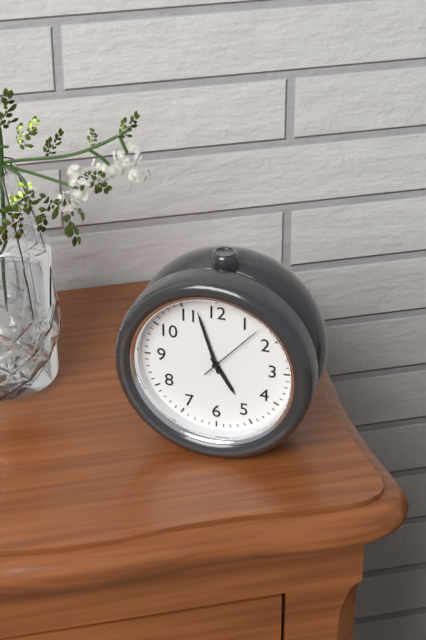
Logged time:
h=4 m=57 s=7
